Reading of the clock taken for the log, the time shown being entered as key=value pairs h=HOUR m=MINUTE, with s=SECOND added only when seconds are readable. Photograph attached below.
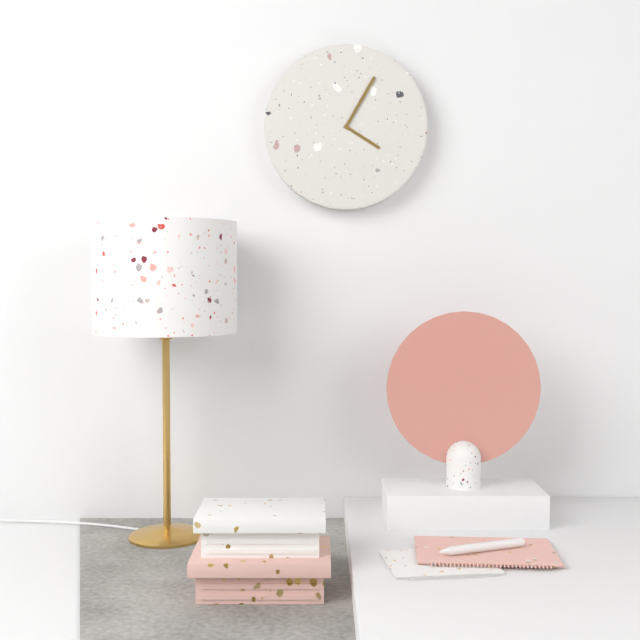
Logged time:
h=4 m=5
